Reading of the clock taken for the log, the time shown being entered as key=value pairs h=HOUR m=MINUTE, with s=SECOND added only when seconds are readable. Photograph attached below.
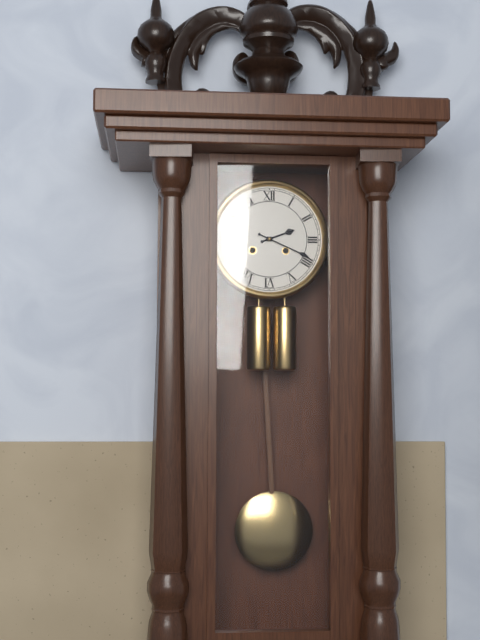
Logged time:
h=2 m=19
